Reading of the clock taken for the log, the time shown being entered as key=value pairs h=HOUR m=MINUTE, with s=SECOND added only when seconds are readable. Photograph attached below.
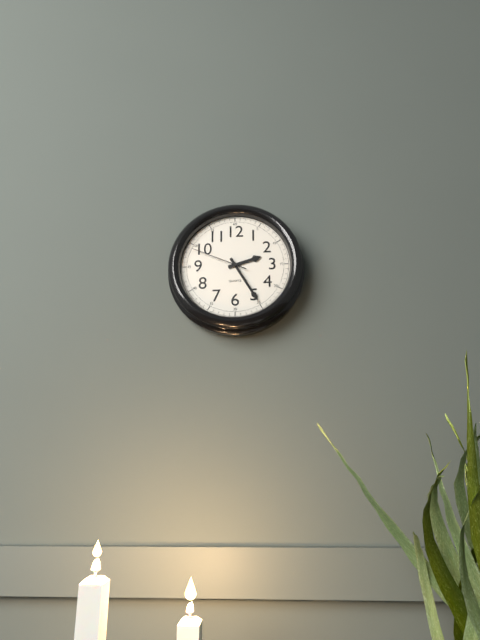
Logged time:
h=2 m=25 s=49
